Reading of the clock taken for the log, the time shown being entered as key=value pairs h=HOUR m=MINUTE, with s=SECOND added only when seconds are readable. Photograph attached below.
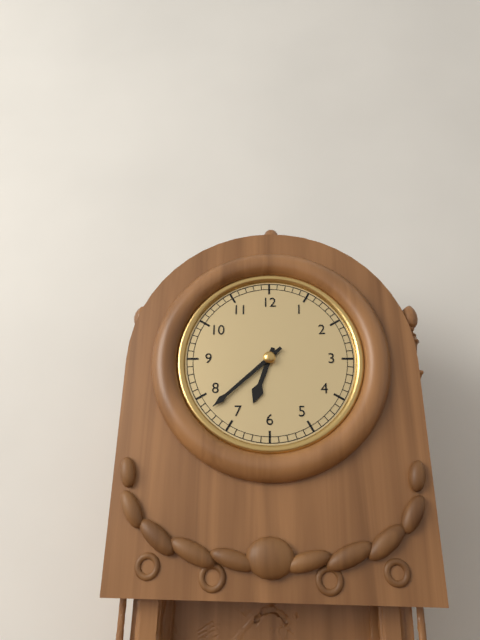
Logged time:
h=6 m=38
